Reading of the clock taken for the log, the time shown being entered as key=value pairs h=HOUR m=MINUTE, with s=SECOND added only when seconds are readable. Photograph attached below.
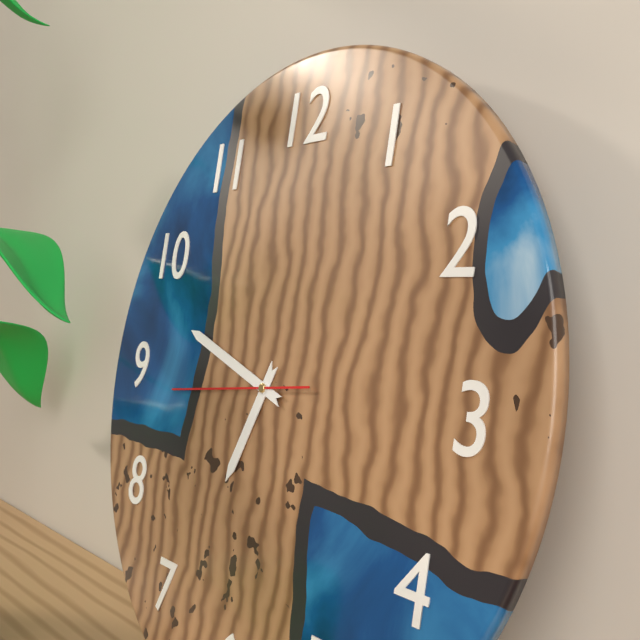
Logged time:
h=6 m=48 s=44
